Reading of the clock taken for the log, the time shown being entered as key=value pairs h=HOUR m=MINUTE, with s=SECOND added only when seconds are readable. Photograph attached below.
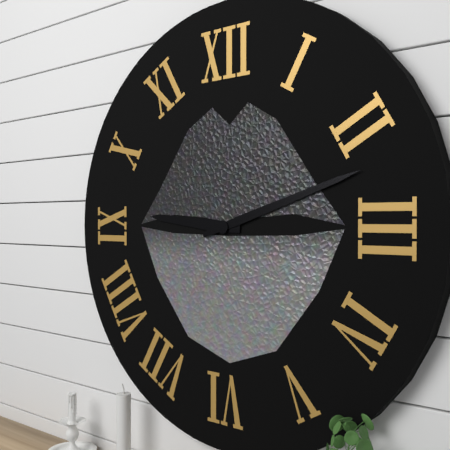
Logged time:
h=9 m=12
